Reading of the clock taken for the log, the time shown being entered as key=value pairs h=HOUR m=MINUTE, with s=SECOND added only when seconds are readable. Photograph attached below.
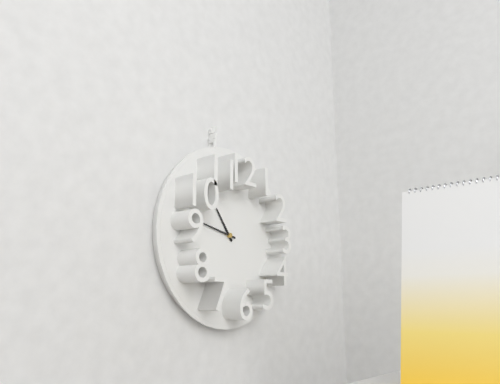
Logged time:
h=10 m=47
